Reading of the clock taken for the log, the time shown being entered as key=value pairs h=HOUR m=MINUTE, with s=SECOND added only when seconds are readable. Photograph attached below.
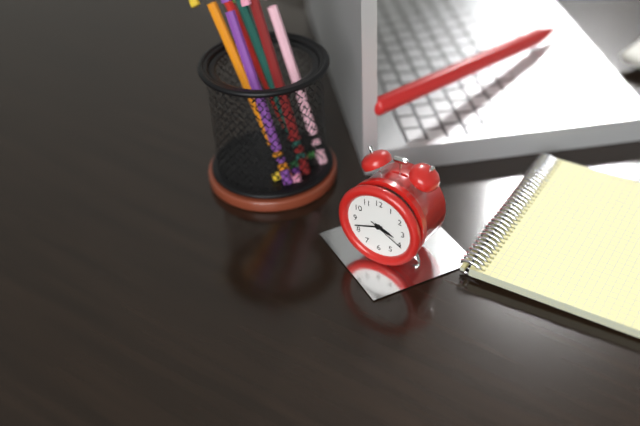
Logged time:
h=3 m=42
